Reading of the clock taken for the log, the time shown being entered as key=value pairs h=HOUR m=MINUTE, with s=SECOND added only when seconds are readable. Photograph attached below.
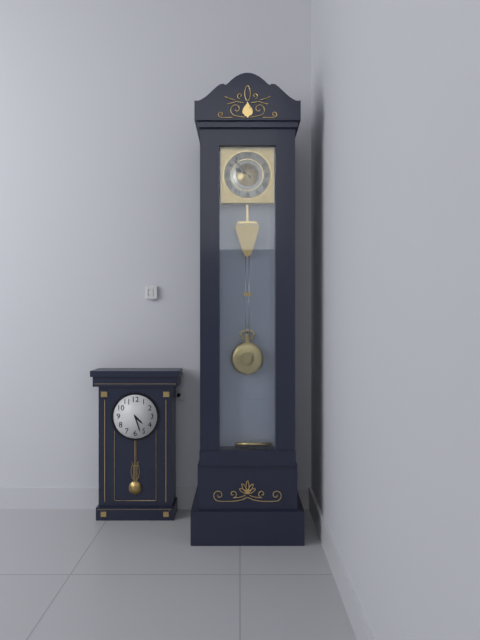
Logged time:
h=9 m=53
